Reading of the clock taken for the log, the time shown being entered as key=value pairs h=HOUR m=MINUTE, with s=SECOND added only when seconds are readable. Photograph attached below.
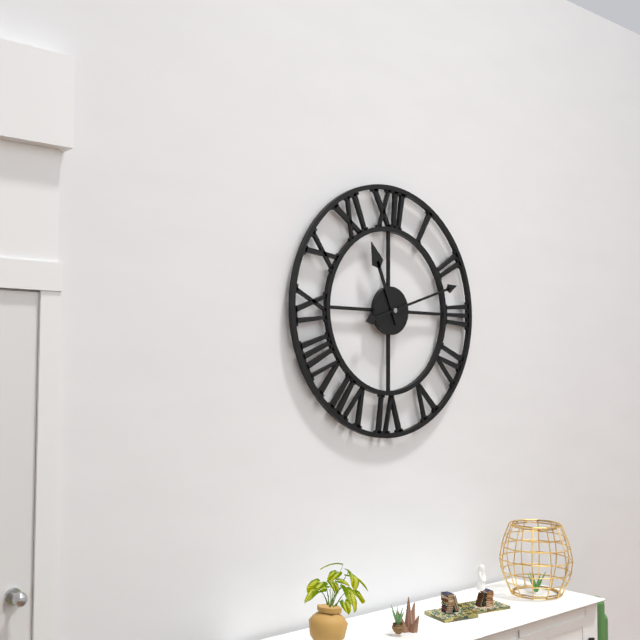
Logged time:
h=11 m=12
